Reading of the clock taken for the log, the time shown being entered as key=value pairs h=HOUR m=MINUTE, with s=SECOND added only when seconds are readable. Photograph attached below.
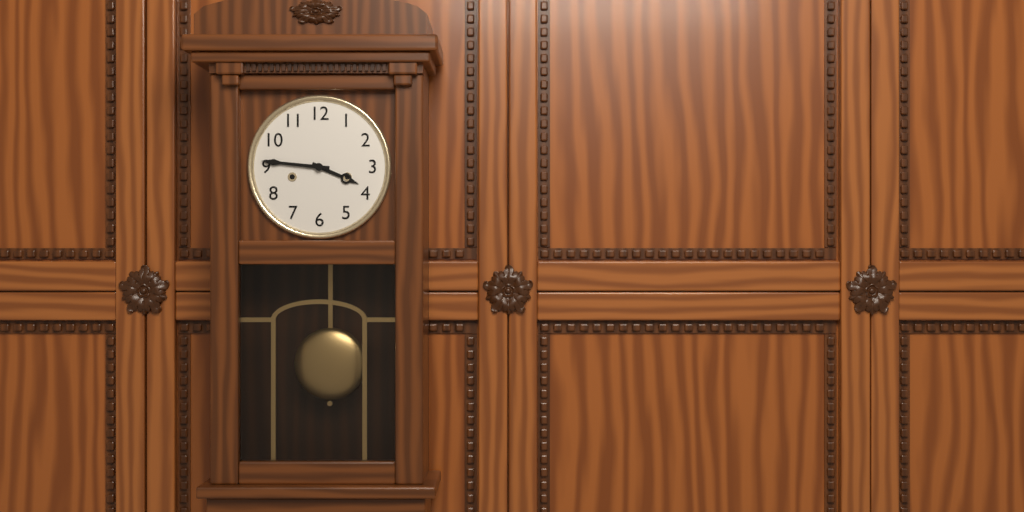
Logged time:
h=3 m=46
